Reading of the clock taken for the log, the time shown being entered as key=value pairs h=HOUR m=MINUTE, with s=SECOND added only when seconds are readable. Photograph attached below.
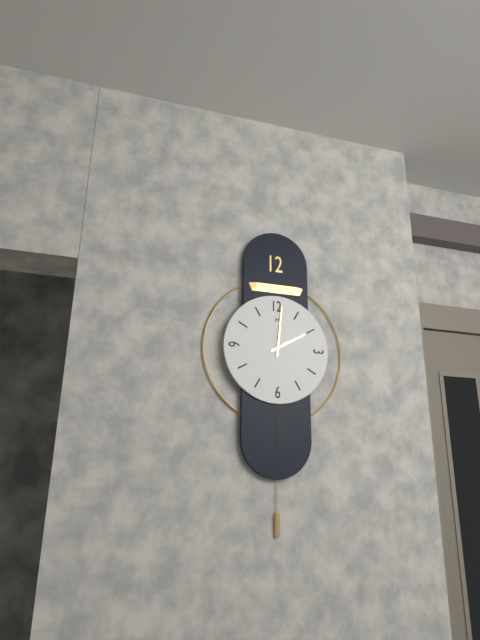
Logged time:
h=2 m=1
